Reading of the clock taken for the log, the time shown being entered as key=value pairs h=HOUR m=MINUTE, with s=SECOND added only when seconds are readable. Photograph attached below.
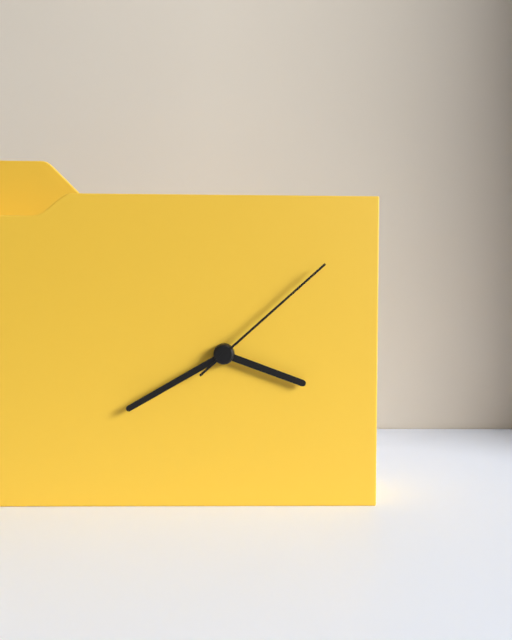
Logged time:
h=3 m=40 s=8
